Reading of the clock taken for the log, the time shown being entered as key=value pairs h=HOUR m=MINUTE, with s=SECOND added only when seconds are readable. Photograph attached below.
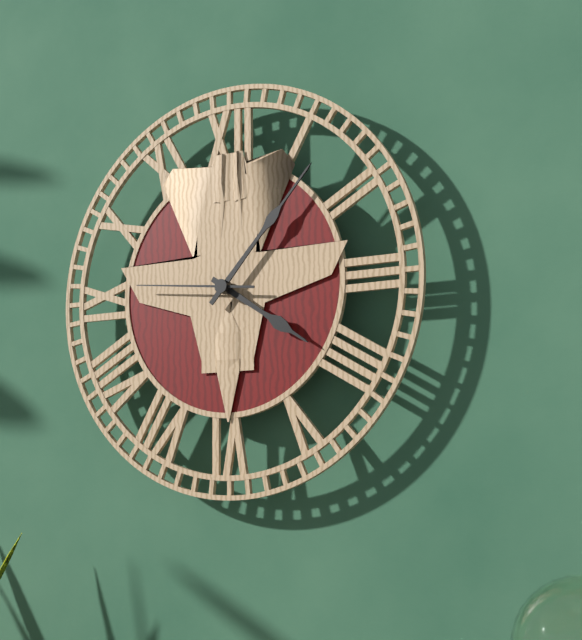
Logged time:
h=4 m=7 s=46
